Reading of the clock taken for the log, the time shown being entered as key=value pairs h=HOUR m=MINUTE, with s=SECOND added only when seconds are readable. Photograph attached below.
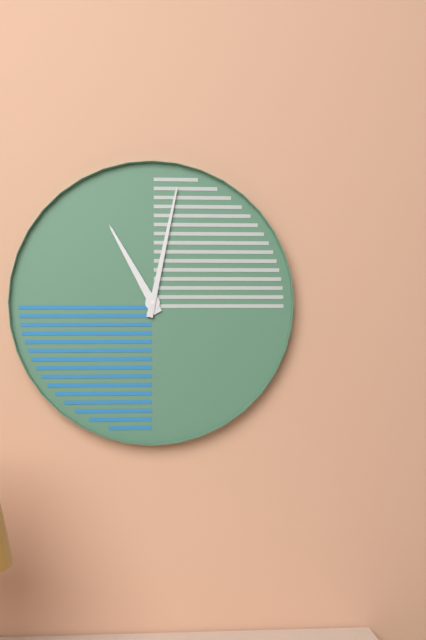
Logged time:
h=11 m=2
